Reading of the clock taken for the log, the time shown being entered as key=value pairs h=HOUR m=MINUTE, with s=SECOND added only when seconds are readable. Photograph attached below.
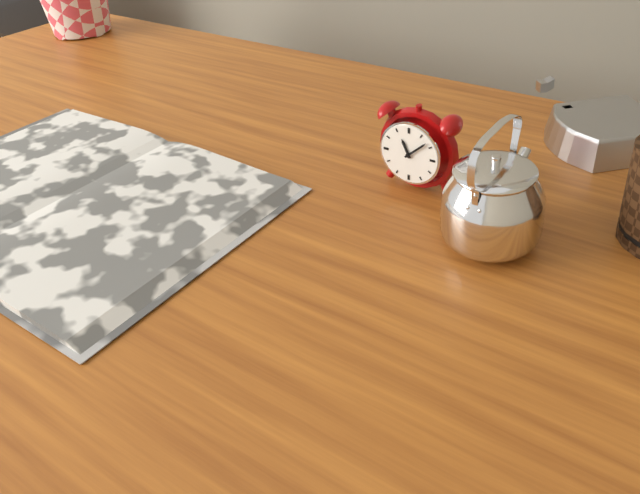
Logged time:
h=11 m=8
